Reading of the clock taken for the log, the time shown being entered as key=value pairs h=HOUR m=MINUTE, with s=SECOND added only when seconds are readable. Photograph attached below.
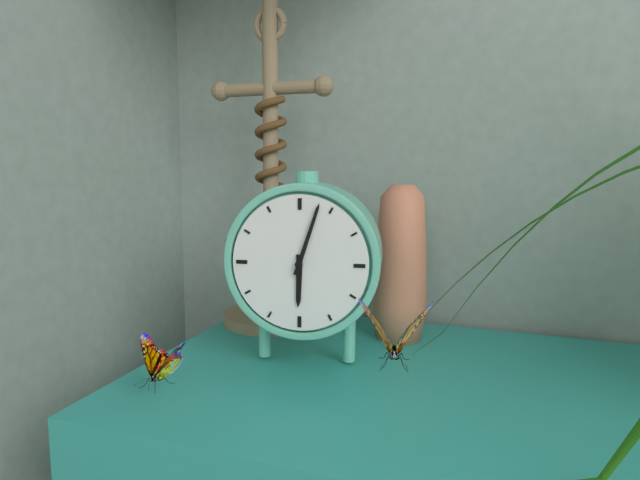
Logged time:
h=6 m=3
